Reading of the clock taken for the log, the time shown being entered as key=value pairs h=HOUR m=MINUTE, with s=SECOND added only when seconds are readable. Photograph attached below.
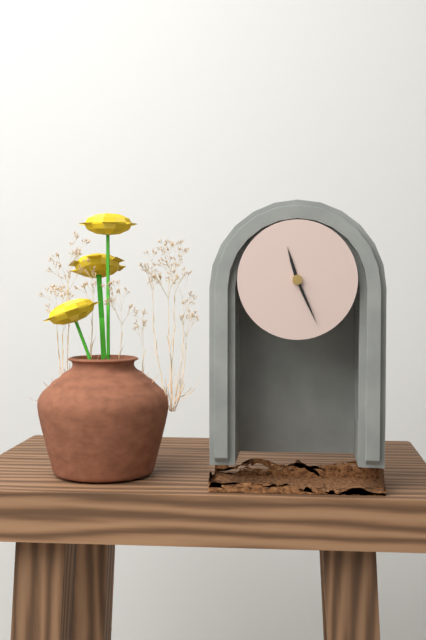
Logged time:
h=11 m=26
